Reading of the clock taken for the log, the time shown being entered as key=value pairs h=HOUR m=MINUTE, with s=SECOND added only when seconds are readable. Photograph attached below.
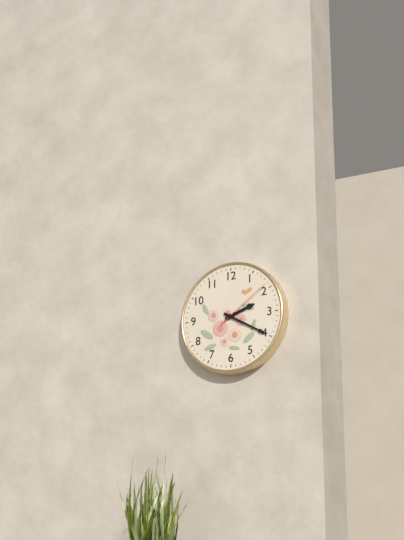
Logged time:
h=2 m=20 s=9
